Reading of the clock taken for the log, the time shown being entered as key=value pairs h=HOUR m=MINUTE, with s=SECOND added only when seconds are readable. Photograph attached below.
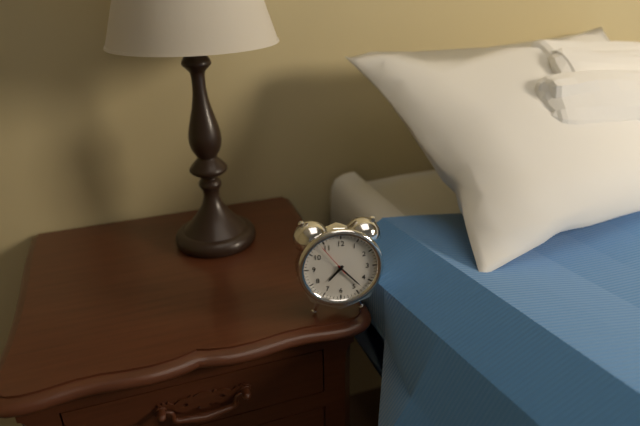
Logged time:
h=7 m=23
